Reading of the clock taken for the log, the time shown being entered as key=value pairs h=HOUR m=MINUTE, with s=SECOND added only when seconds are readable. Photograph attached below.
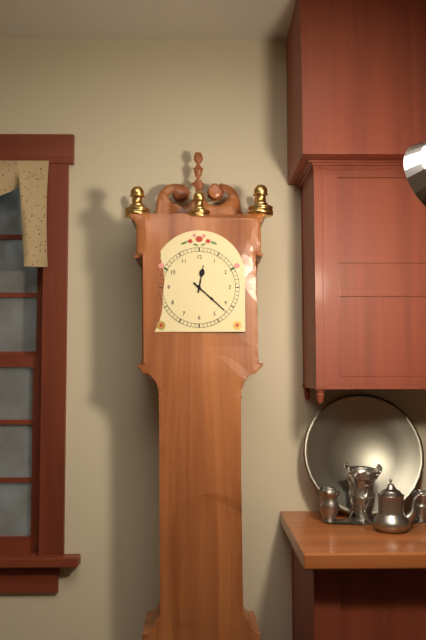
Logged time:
h=12 m=22
